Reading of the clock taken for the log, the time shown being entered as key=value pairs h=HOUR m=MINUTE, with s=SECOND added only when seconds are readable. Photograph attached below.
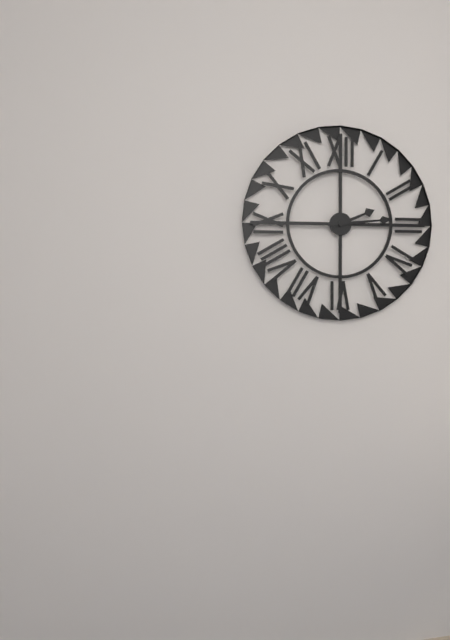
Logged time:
h=2 m=14
